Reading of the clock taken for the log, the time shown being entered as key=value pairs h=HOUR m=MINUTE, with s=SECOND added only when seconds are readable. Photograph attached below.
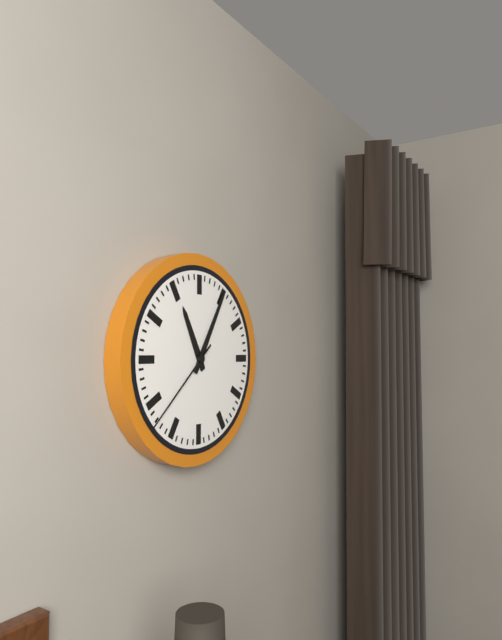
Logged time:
h=11 m=5 s=38
